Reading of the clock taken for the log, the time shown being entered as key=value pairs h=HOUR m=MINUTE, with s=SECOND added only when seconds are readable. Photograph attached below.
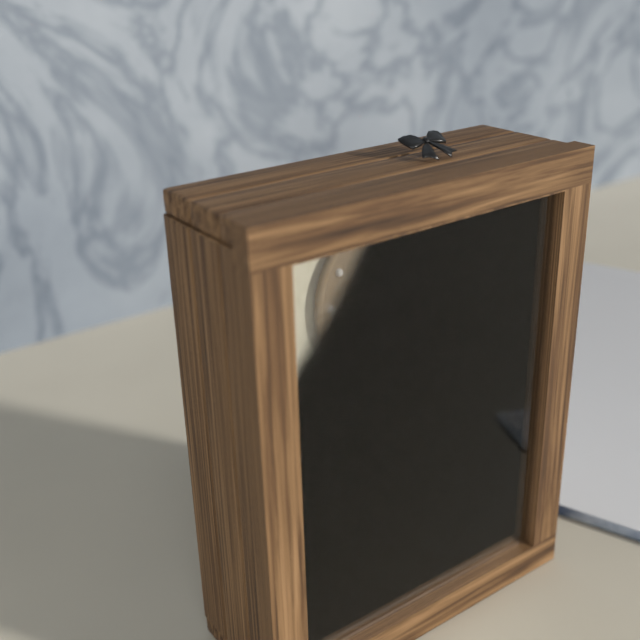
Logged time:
h=8 m=20
